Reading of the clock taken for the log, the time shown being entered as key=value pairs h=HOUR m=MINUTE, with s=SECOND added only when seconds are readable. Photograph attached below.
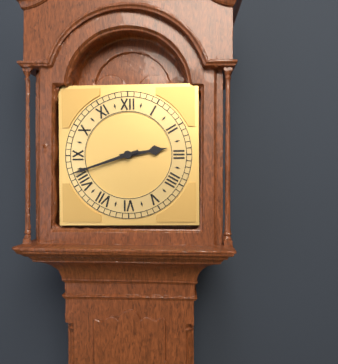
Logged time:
h=2 m=42
